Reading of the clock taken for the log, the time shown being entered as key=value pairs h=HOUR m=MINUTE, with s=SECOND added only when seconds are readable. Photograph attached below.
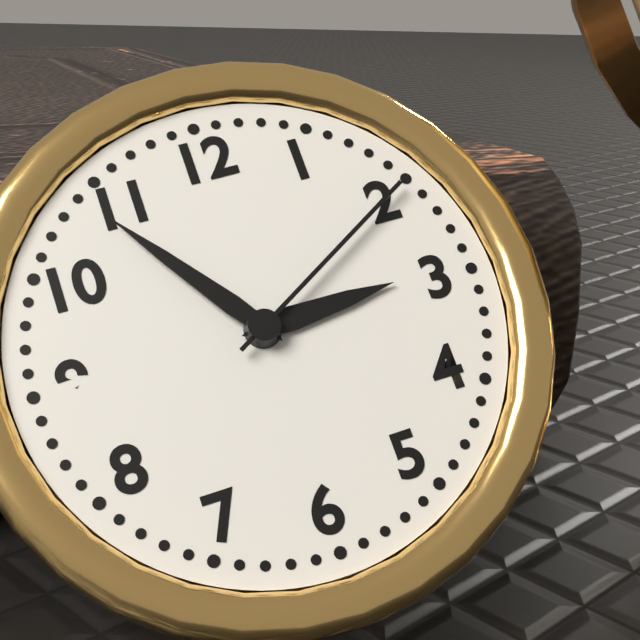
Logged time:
h=2 m=54 s=10
